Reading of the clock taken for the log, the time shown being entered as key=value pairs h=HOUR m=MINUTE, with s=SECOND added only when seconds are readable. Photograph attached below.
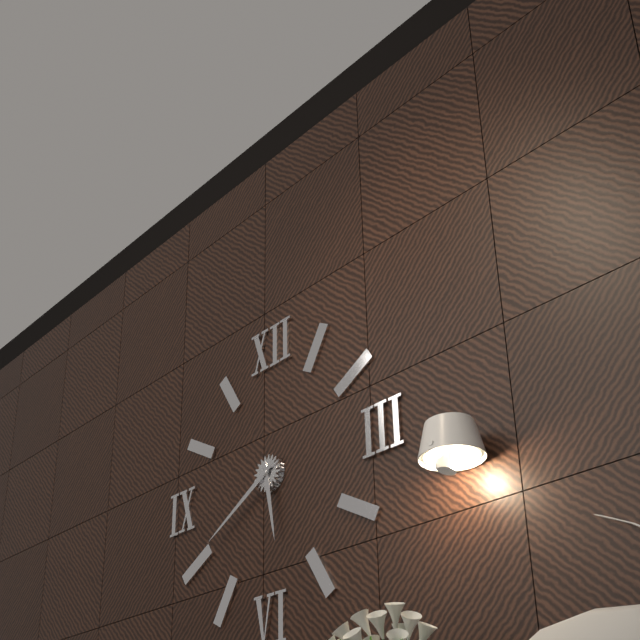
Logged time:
h=5 m=40
